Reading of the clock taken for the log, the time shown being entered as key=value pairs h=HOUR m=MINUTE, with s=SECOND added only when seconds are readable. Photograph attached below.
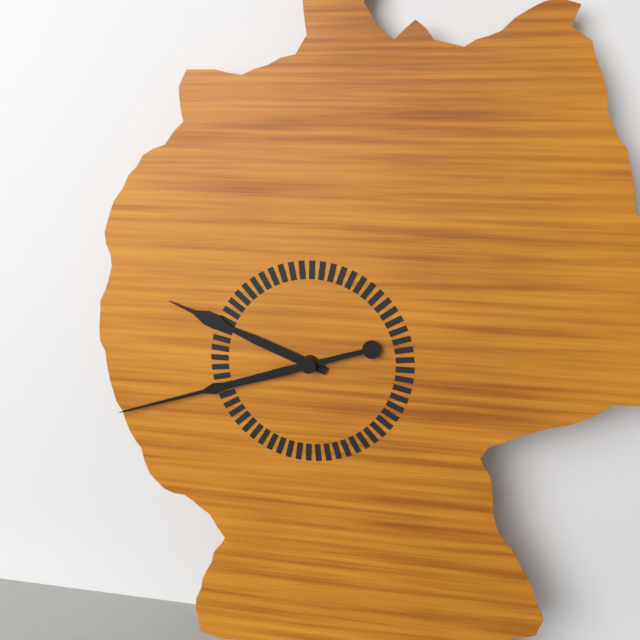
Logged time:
h=9 m=42
